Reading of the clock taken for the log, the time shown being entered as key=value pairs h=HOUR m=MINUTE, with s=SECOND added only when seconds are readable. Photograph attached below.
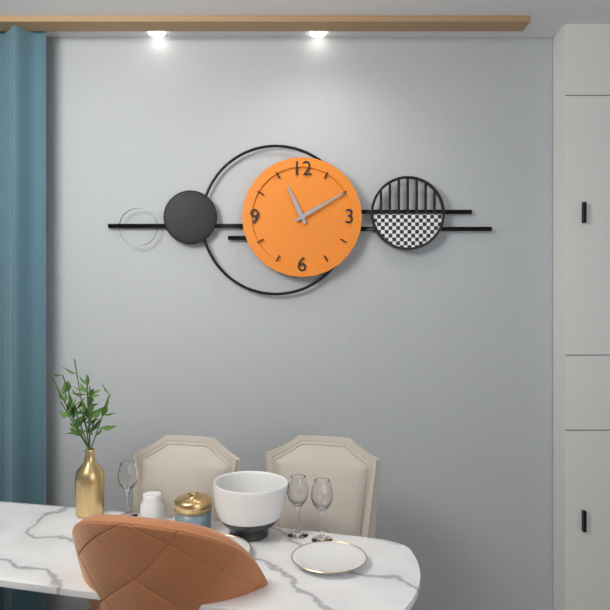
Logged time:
h=11 m=10
